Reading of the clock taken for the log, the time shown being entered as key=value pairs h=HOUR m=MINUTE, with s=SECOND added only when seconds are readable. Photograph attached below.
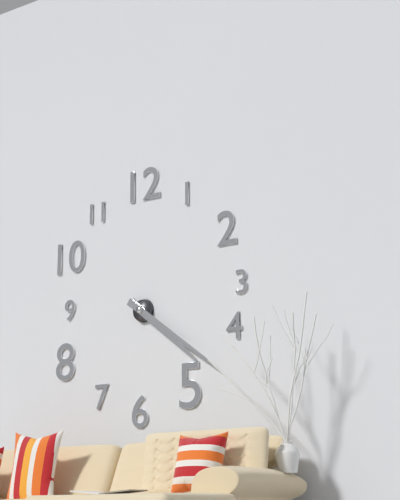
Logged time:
h=4 m=21
